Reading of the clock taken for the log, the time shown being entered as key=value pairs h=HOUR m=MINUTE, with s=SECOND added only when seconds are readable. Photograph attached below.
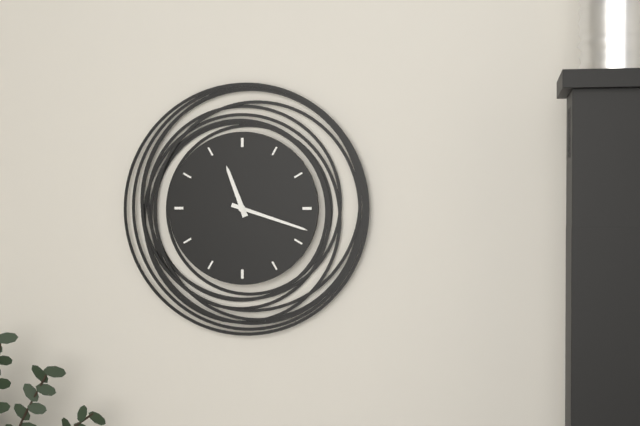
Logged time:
h=11 m=18
